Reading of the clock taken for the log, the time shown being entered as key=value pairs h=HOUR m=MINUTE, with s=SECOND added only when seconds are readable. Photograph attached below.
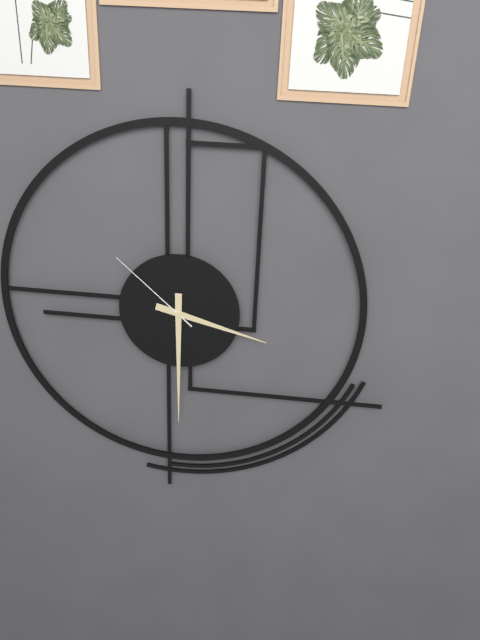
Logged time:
h=3 m=30 s=52
